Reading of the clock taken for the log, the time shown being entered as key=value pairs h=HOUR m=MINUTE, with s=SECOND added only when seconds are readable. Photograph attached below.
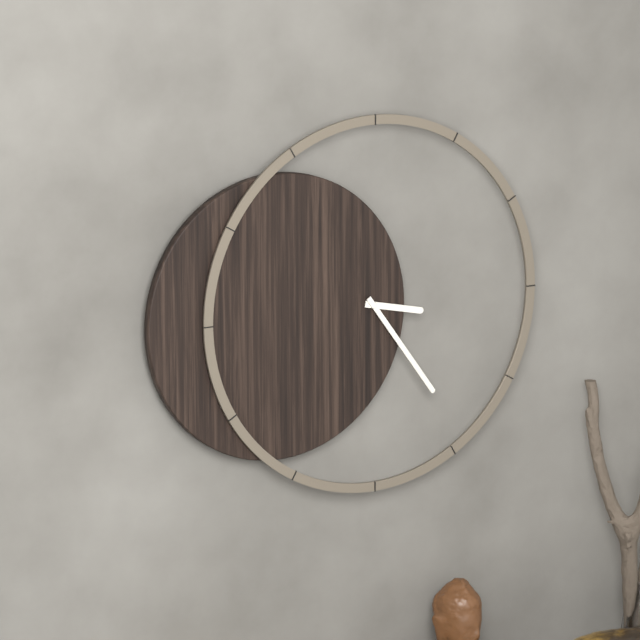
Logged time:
h=3 m=24
